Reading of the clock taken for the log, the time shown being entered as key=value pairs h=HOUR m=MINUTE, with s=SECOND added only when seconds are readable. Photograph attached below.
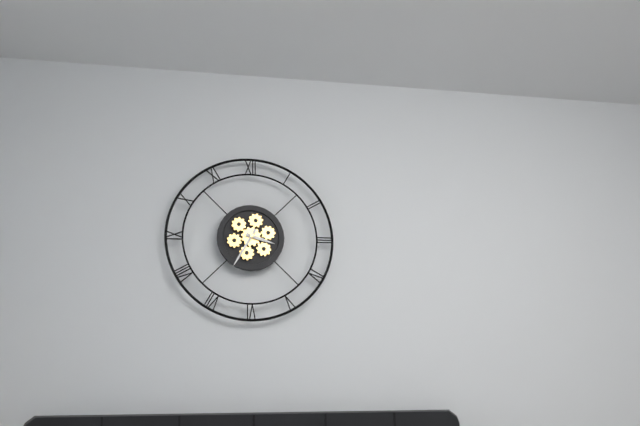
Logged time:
h=3 m=35
